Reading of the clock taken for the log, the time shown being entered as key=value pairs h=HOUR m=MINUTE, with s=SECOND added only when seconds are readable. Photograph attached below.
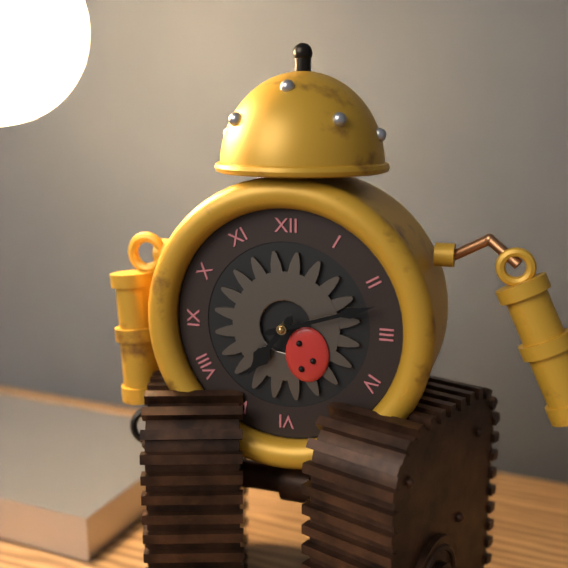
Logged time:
h=7 m=12
